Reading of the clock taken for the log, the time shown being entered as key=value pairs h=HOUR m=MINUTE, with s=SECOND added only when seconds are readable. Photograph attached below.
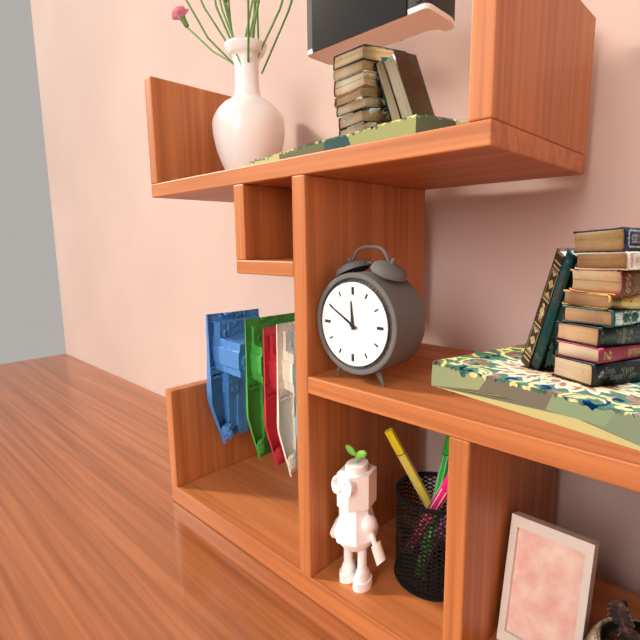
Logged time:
h=11 m=50
